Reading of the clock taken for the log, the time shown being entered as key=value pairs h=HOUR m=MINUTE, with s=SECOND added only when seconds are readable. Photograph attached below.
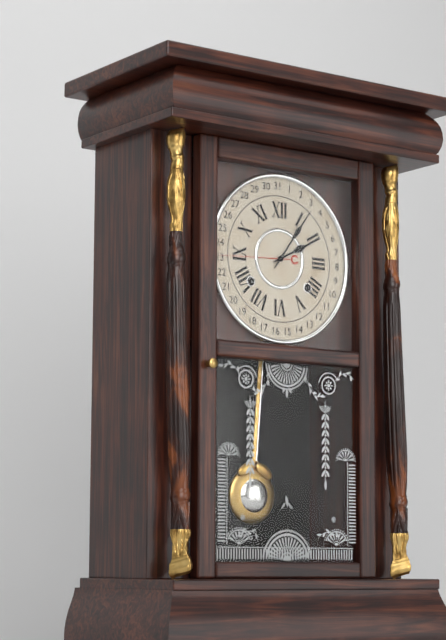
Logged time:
h=2 m=6
